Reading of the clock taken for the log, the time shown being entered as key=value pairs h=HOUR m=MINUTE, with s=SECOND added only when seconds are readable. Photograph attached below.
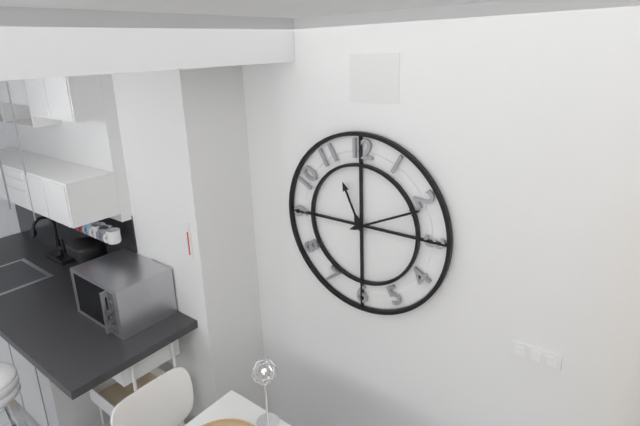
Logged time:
h=11 m=11
